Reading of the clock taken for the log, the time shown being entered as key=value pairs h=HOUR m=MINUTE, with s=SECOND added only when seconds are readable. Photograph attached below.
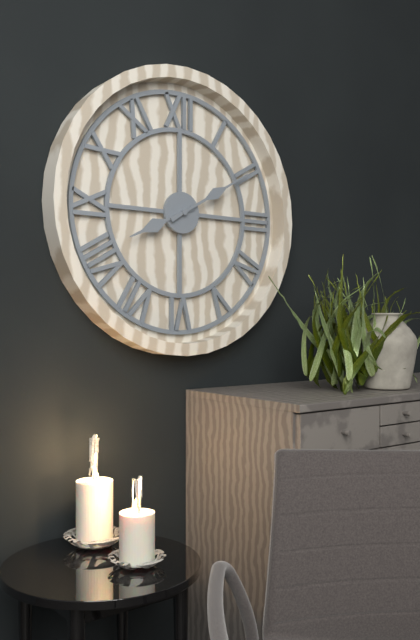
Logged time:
h=8 m=10
